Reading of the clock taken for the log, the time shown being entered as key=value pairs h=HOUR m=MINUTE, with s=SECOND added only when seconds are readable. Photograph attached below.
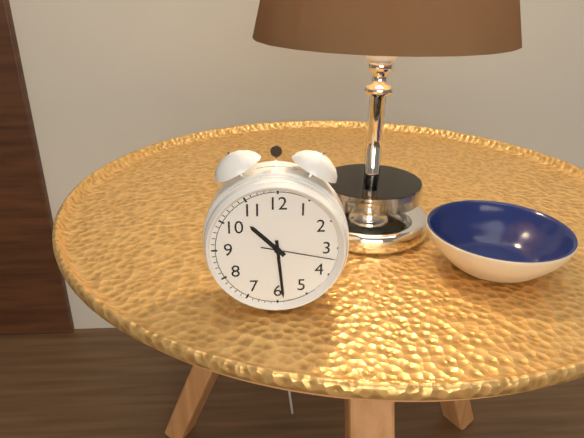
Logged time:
h=10 m=29 s=17
